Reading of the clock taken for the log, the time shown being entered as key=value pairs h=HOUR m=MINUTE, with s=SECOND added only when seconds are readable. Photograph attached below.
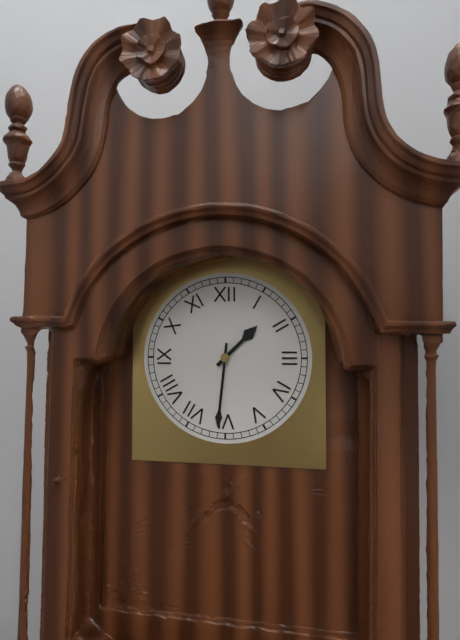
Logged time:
h=1 m=31
